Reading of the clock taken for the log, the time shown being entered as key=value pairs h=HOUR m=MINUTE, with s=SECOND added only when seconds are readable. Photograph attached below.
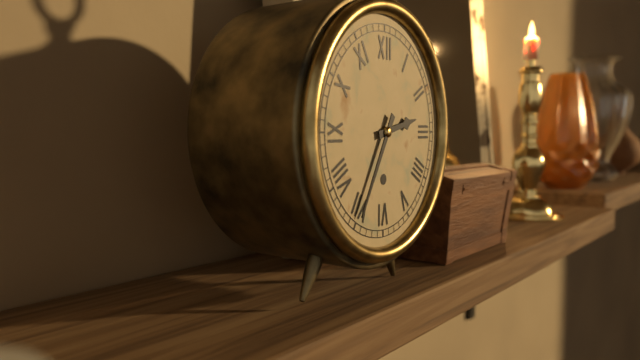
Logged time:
h=2 m=35
